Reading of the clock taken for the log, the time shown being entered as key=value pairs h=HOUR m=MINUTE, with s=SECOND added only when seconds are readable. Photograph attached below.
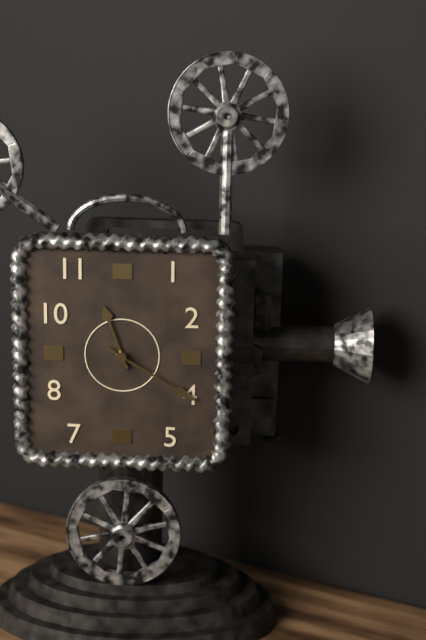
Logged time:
h=11 m=20
